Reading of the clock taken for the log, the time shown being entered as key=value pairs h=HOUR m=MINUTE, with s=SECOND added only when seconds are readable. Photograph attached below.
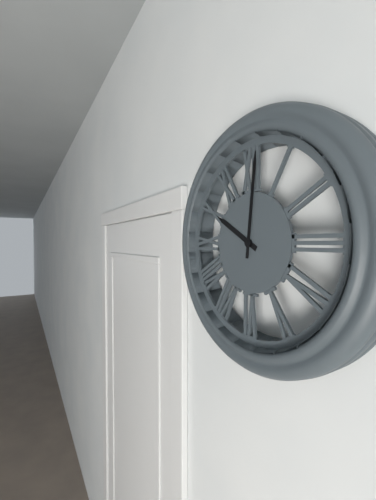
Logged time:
h=10 m=1
